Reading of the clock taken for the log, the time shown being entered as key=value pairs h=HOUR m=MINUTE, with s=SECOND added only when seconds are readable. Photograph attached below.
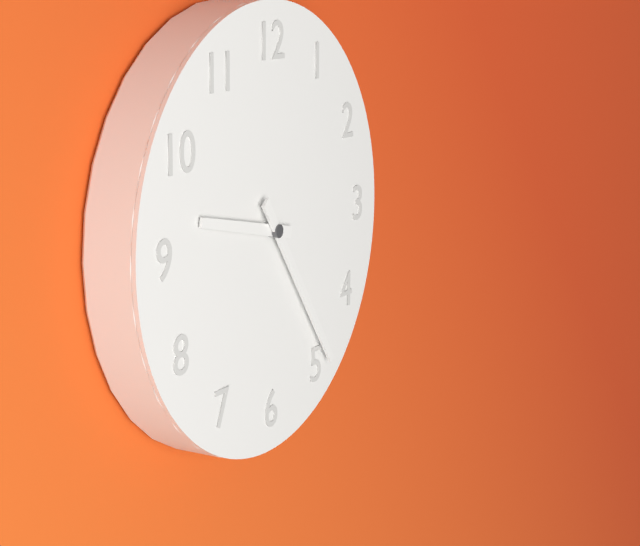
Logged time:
h=9 m=24
